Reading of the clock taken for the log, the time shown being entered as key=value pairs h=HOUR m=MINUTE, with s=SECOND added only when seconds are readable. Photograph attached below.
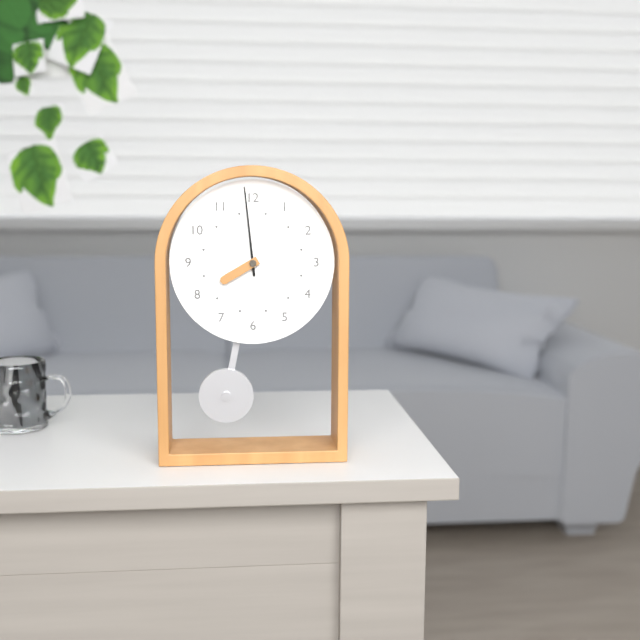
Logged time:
h=7 m=59
